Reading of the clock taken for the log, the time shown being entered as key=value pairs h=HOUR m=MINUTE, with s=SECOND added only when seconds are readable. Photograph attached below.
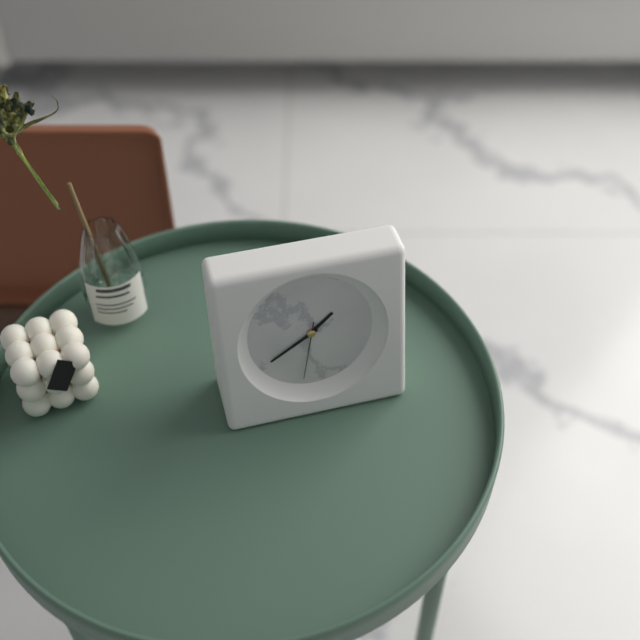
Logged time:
h=1 m=40 s=32
